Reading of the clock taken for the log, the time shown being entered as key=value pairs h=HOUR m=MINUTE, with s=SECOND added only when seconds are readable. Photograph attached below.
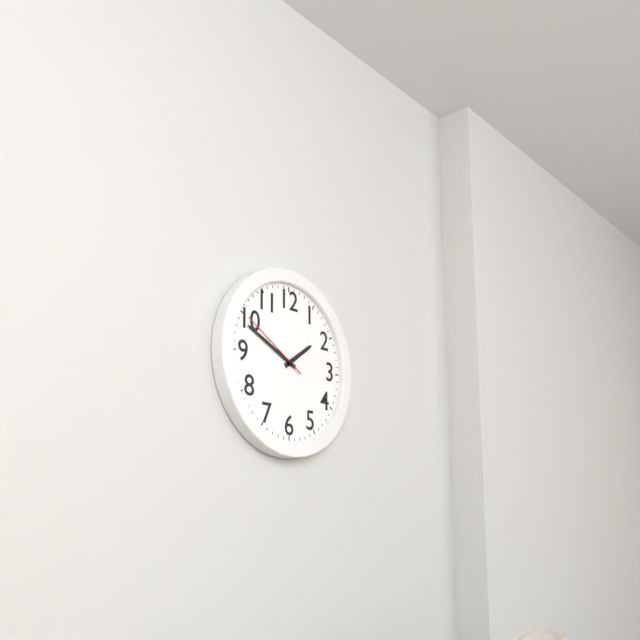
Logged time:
h=1 m=49 s=50
